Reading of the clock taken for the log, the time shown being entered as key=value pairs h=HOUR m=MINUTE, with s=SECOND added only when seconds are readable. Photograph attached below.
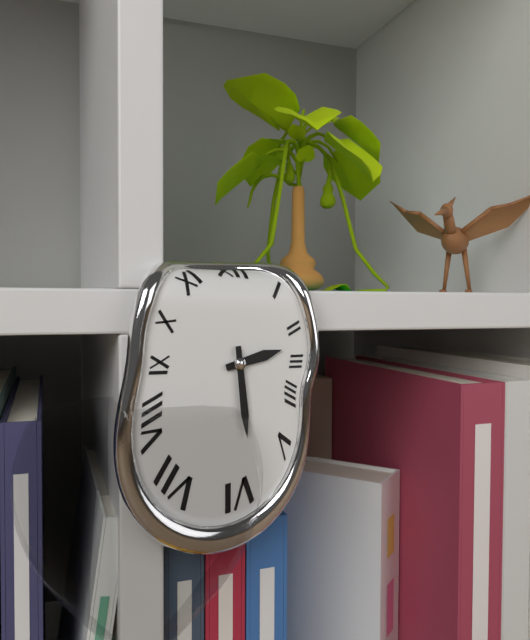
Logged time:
h=2 m=29
